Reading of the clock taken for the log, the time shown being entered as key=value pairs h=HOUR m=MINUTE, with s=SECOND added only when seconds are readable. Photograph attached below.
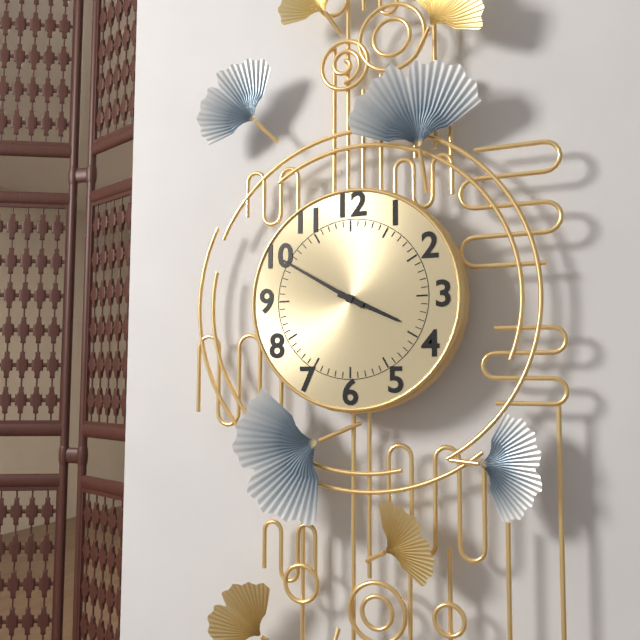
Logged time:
h=3 m=50
